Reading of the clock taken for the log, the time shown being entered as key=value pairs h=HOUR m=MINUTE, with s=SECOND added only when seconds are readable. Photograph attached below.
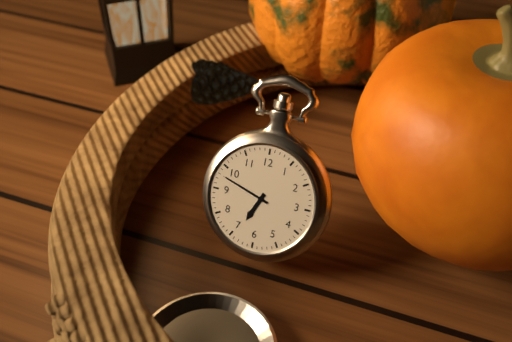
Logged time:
h=6 m=48
